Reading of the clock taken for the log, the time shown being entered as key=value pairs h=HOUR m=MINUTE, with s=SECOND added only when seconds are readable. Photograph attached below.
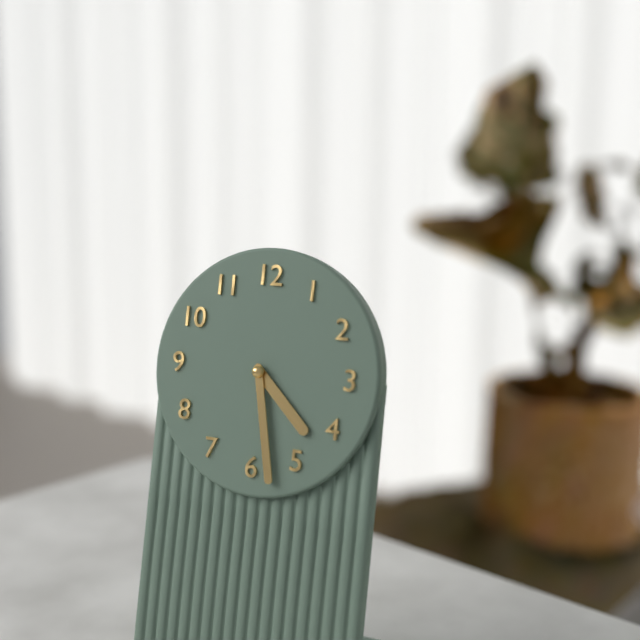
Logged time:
h=4 m=28
